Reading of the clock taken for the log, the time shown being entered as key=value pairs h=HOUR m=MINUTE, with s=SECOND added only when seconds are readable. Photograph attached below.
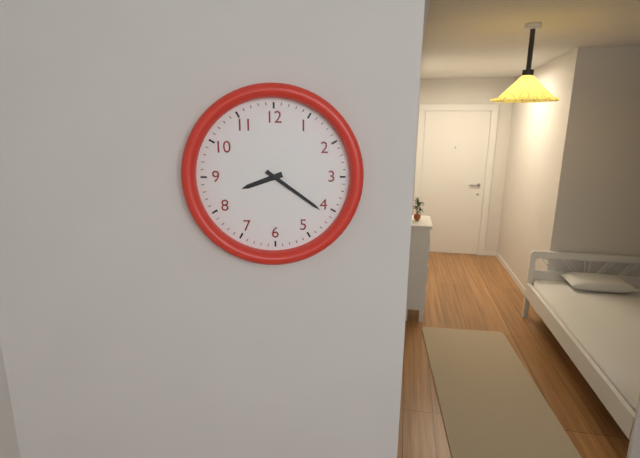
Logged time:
h=8 m=21
